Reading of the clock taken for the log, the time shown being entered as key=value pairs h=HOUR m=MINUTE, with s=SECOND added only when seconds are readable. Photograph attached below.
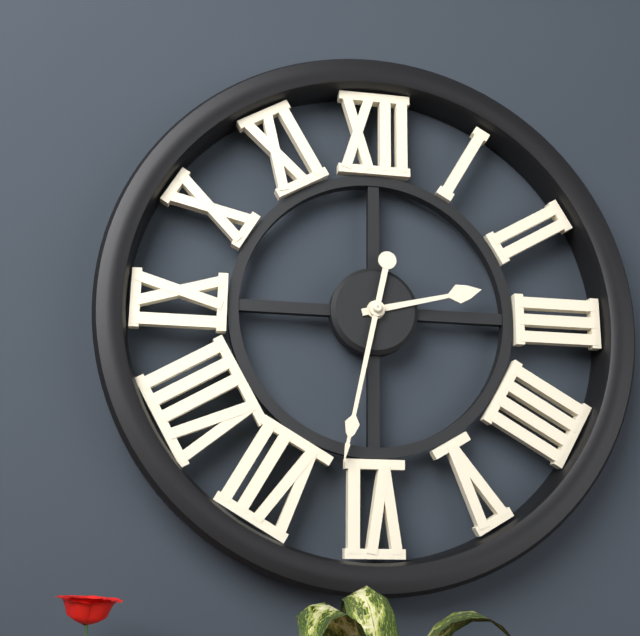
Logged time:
h=2 m=32
